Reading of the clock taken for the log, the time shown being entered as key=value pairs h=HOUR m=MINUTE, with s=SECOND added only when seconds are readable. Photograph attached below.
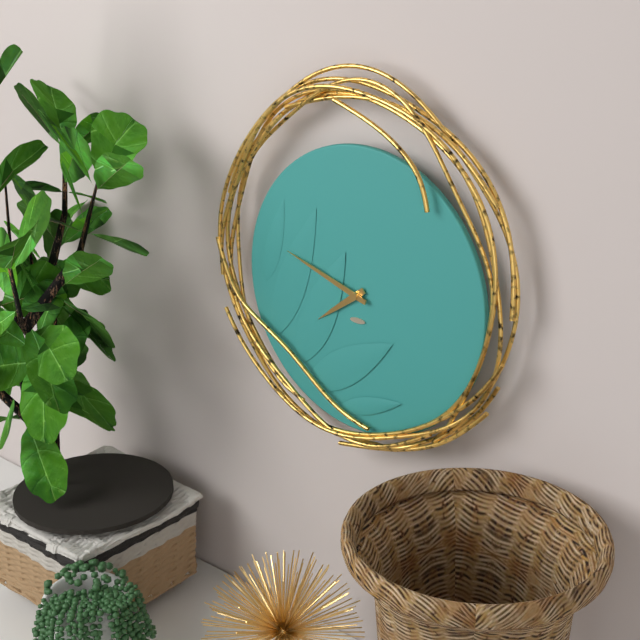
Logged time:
h=7 m=48
